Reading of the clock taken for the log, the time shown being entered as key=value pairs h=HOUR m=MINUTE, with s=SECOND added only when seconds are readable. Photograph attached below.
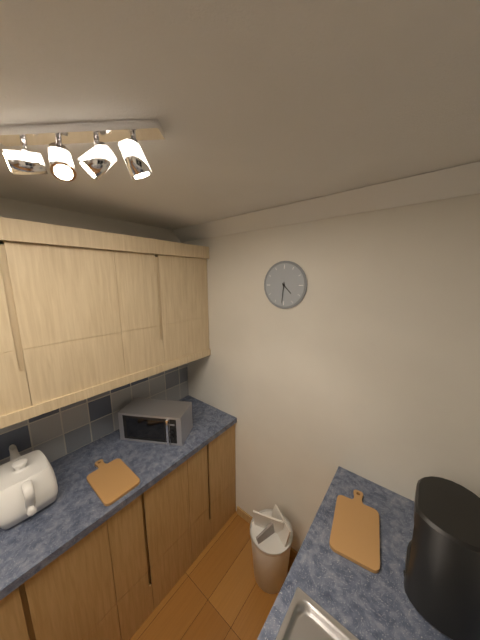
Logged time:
h=4 m=31
